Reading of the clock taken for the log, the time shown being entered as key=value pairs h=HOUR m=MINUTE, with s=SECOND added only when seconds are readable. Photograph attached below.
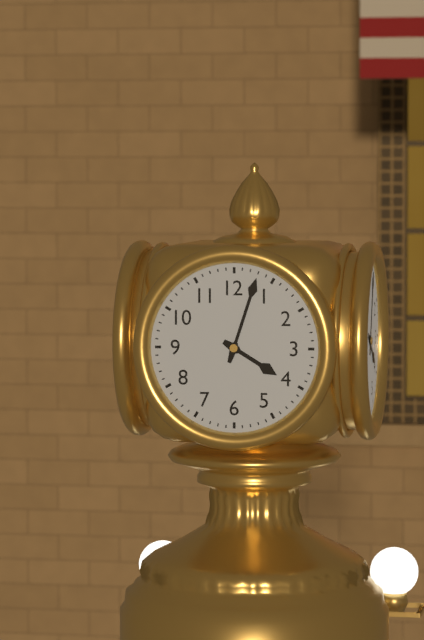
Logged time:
h=4 m=3
